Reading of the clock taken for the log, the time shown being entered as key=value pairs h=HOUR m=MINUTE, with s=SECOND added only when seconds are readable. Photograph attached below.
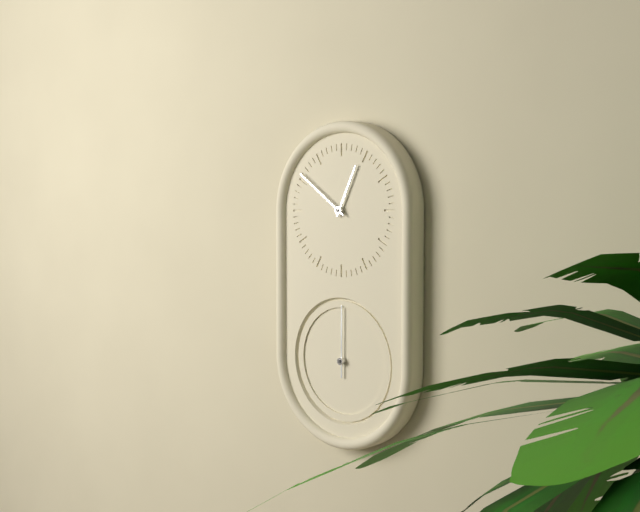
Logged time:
h=12 m=51 s=0
